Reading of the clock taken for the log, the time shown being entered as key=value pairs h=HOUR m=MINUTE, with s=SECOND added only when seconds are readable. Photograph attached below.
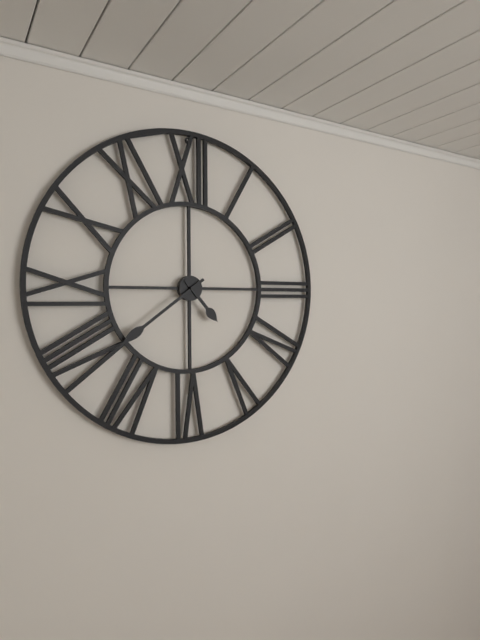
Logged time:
h=4 m=39
